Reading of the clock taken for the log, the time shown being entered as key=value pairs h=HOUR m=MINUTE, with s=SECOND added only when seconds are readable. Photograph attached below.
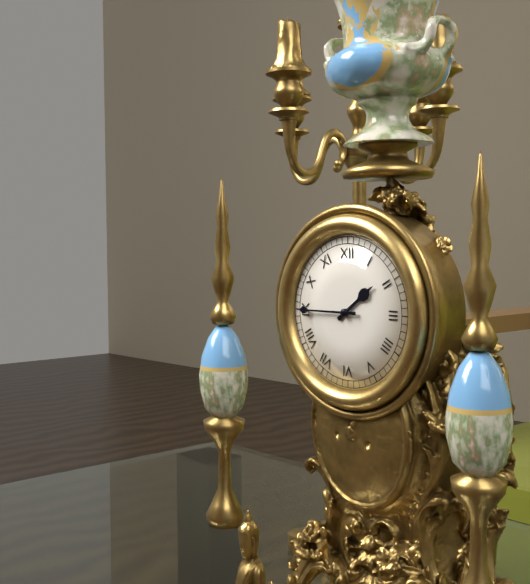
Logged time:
h=1 m=45
